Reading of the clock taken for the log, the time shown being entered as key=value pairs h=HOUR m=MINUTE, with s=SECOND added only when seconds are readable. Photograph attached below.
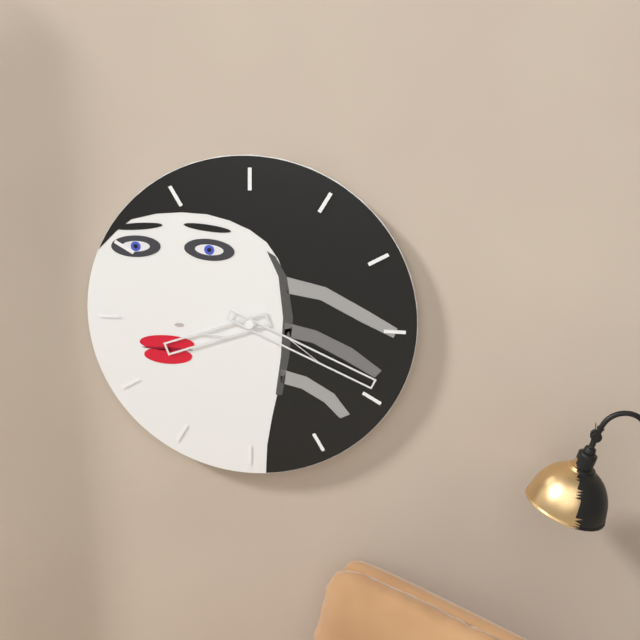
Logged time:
h=8 m=19
